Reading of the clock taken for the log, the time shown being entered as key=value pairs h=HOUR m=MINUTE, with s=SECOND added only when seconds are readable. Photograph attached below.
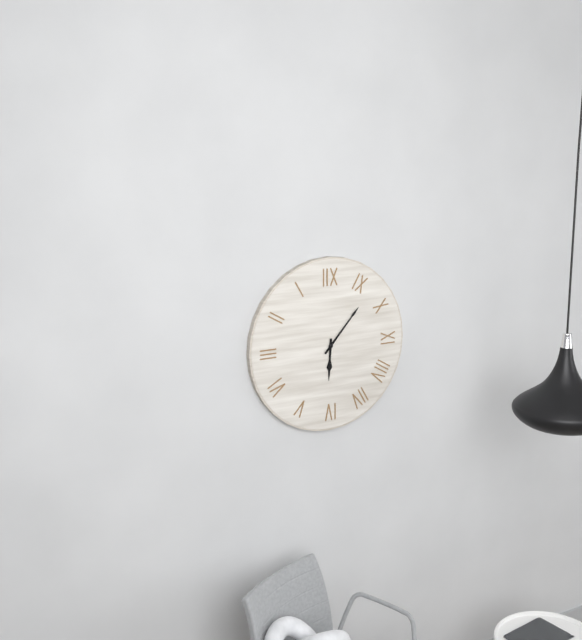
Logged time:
h=6 m=7
